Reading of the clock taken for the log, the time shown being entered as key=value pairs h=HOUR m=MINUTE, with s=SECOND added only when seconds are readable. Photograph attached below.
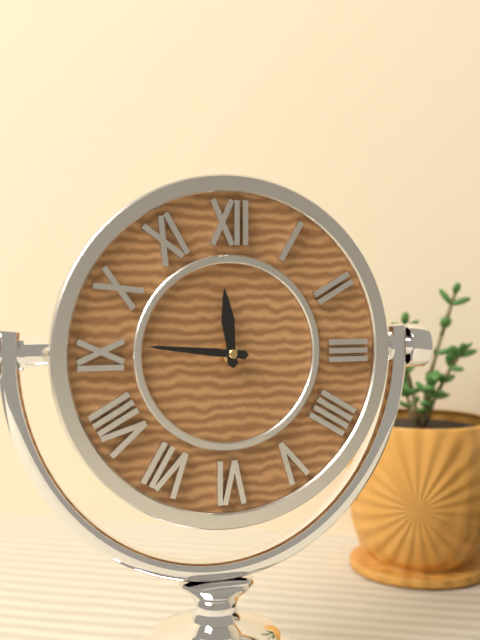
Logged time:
h=11 m=46
